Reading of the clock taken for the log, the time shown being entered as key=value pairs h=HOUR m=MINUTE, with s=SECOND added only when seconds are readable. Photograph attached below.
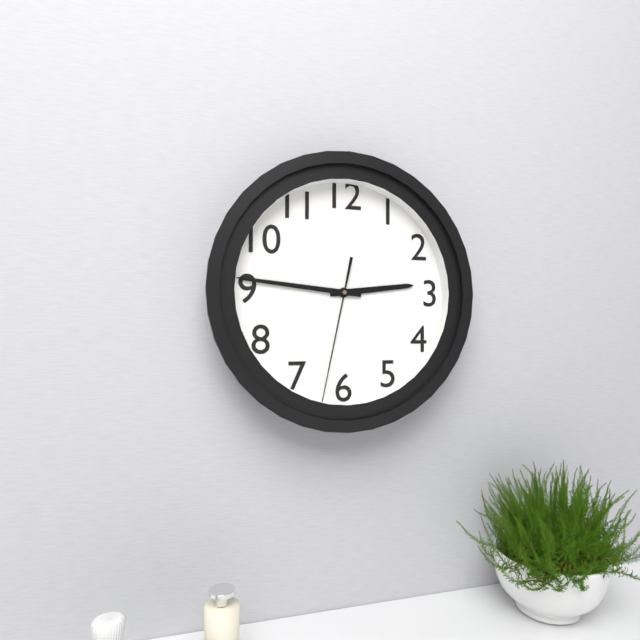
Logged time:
h=2 m=46 s=32
